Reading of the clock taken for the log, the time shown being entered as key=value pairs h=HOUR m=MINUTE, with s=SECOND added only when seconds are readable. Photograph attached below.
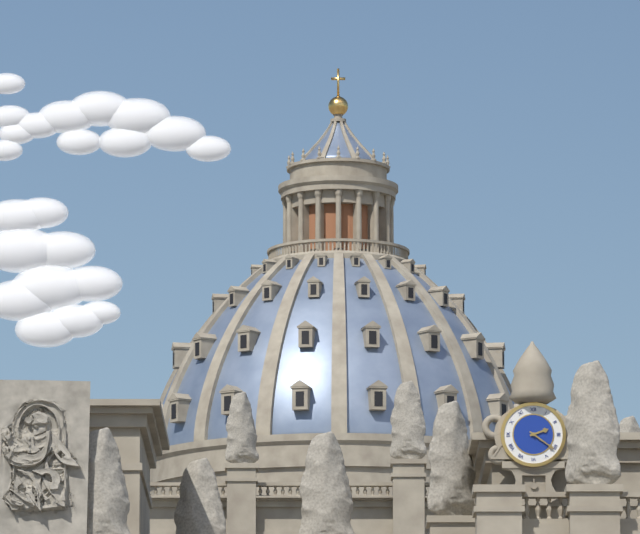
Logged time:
h=2 m=21
